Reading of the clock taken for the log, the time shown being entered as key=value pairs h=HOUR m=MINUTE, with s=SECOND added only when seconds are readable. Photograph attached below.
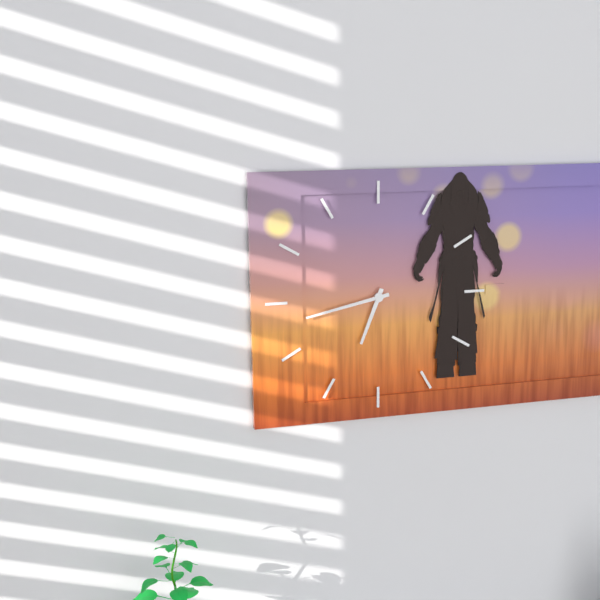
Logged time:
h=6 m=43
